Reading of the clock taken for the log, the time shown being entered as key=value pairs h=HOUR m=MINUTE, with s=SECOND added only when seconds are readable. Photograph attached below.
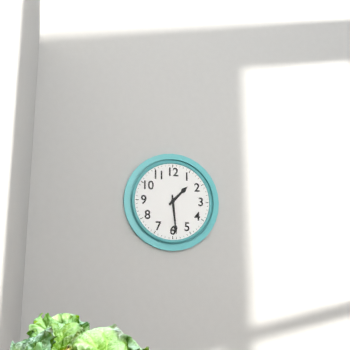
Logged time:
h=1 m=29
